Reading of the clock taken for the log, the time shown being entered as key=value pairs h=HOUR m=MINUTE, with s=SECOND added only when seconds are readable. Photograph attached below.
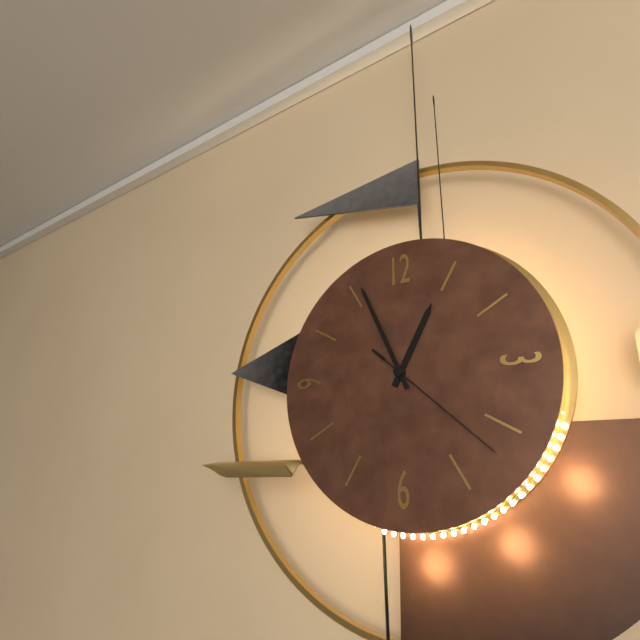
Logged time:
h=12 m=56 s=22
